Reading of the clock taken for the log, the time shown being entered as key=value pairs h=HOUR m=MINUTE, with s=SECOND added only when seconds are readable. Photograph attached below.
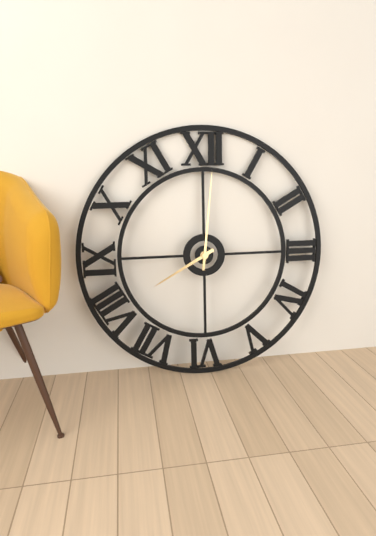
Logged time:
h=8 m=1
